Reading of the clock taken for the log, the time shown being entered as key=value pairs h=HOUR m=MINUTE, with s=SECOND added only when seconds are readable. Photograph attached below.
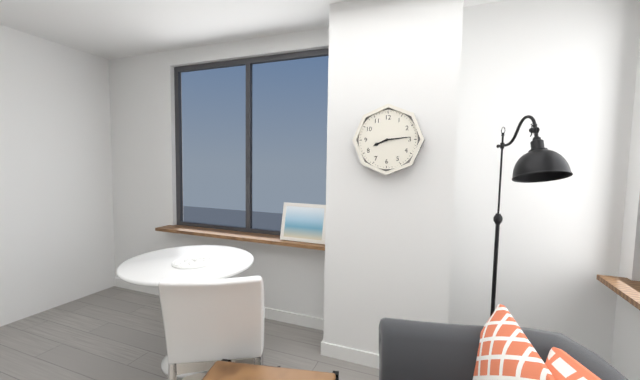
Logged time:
h=8 m=14
